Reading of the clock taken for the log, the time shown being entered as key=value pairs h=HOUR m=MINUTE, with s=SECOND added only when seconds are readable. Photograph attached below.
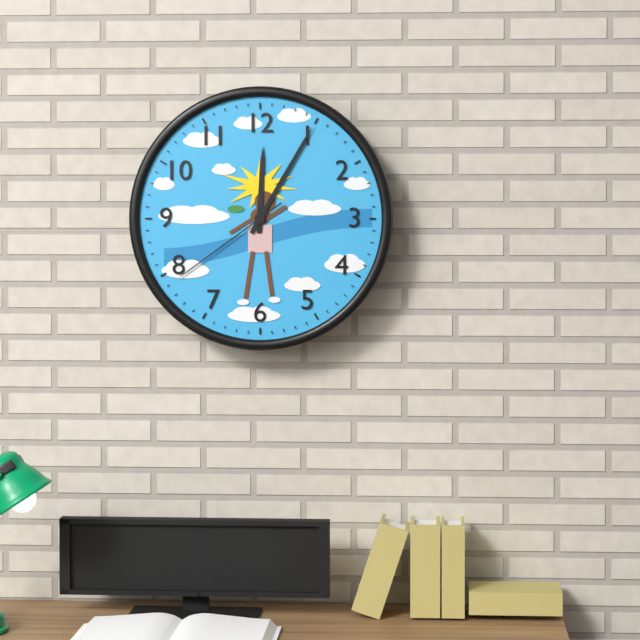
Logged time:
h=12 m=5 s=39
